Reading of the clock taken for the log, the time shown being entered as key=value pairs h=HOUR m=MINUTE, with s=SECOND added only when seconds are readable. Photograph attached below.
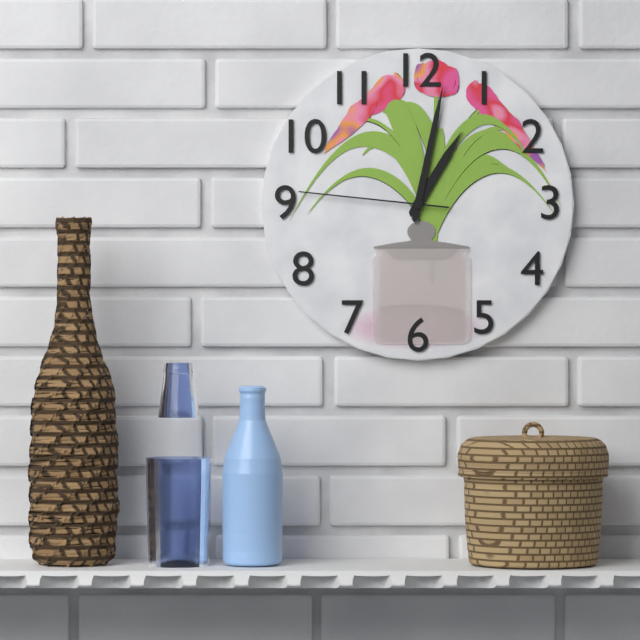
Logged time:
h=1 m=2 s=46
